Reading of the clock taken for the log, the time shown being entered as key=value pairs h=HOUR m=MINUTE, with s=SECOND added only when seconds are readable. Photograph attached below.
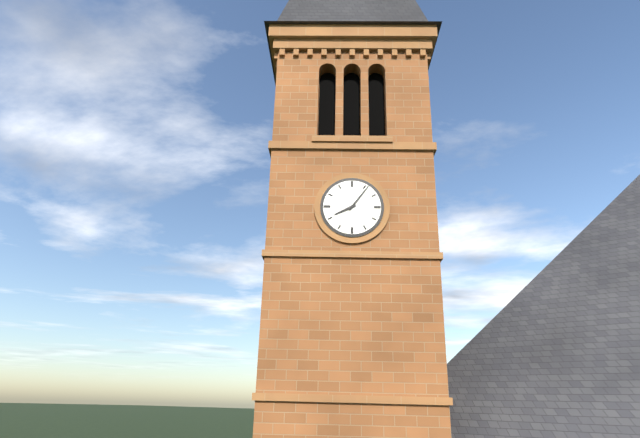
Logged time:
h=8 m=6
